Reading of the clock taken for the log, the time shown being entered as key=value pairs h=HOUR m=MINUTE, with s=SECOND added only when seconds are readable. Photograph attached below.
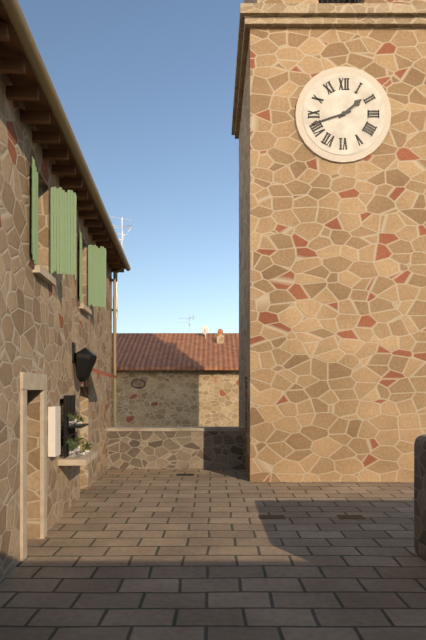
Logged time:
h=1 m=42
